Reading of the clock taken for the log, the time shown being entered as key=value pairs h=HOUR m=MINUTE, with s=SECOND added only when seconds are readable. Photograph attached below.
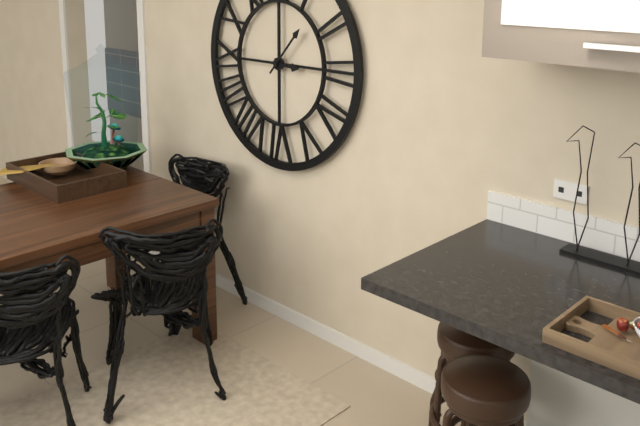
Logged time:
h=3 m=7
